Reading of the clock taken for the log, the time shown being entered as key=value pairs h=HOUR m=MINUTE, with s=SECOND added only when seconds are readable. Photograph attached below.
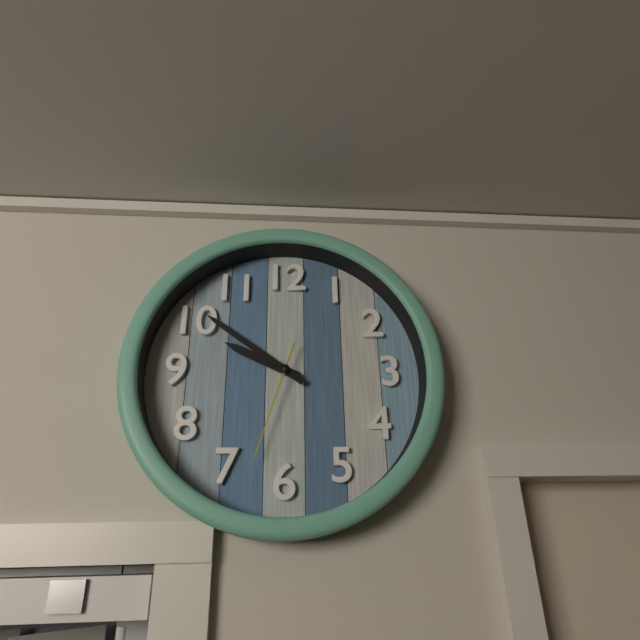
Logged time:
h=9 m=51 s=33
